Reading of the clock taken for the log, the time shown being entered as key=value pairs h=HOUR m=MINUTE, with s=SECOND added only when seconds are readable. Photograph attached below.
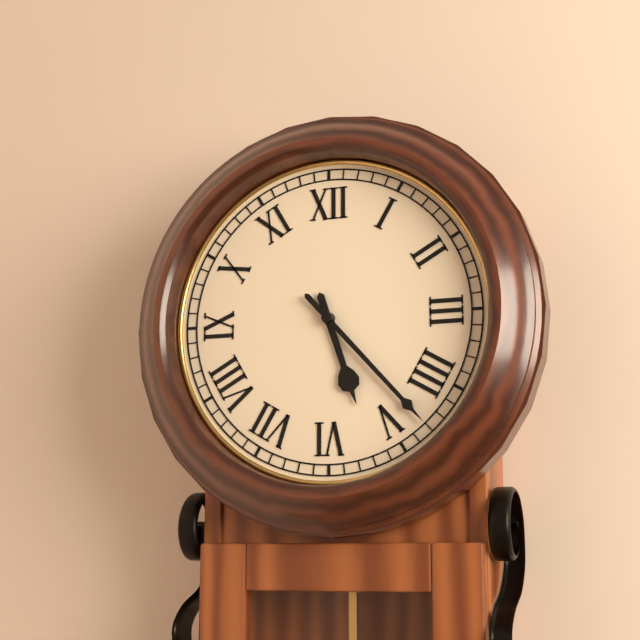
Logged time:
h=5 m=23
